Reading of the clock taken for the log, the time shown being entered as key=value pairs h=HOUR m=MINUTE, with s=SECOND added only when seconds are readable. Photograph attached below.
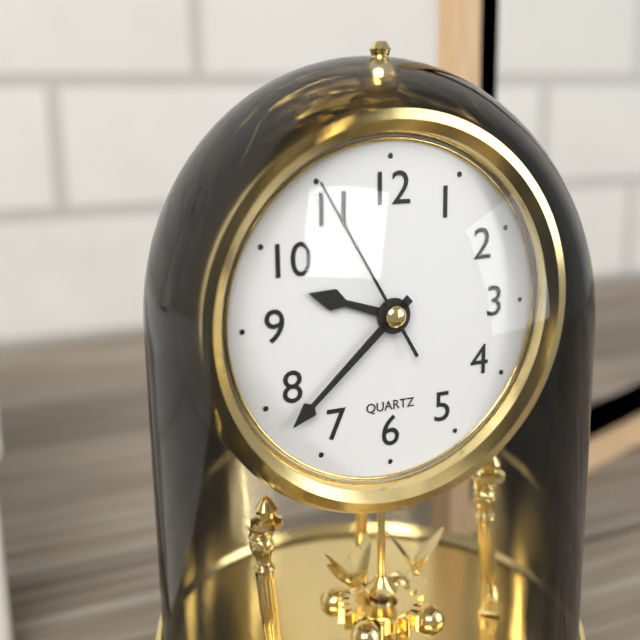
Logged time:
h=9 m=38 s=55
